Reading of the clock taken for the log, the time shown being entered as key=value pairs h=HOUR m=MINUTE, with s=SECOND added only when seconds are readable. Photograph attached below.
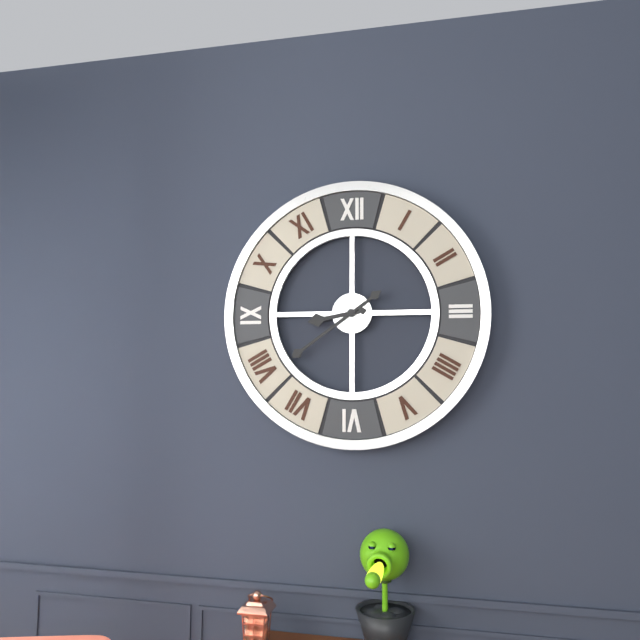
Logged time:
h=8 m=39
